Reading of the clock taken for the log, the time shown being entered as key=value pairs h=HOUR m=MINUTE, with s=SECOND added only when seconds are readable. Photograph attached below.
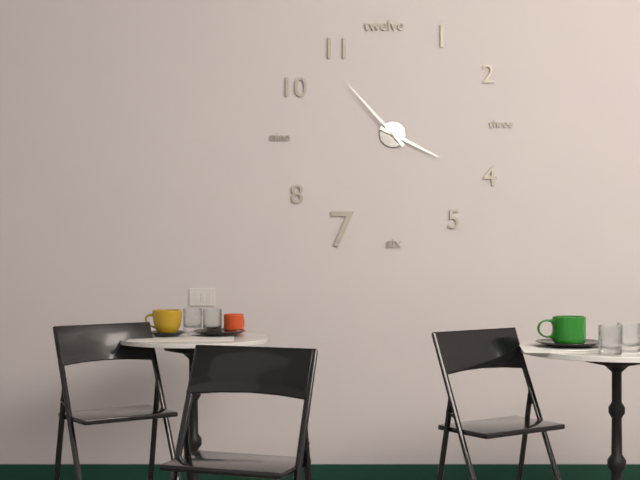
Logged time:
h=3 m=53
